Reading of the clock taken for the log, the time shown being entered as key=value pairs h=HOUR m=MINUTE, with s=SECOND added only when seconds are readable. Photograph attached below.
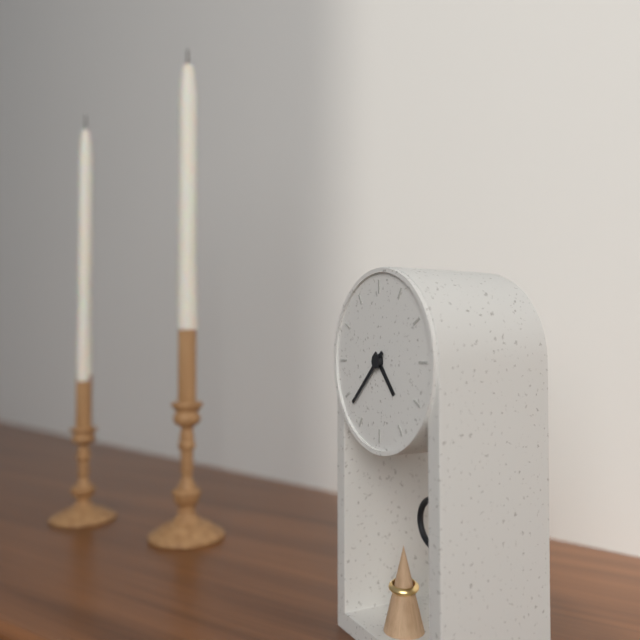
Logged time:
h=4 m=38
